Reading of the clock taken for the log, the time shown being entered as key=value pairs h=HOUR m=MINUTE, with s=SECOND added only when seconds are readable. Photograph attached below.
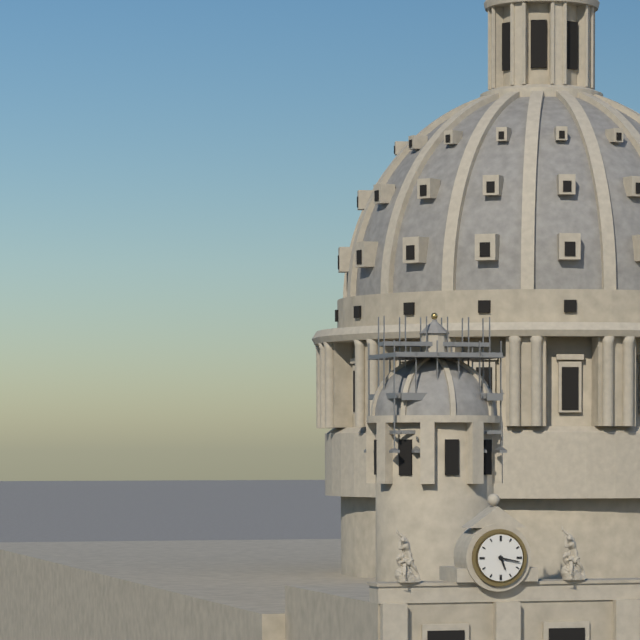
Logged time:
h=5 m=17
